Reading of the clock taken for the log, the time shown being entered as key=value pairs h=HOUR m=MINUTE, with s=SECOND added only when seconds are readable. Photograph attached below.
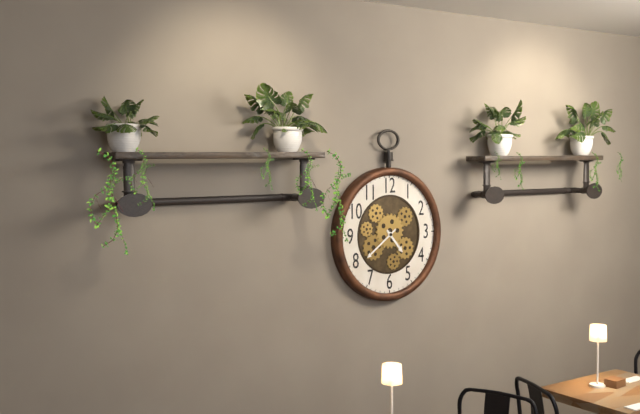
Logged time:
h=4 m=39
